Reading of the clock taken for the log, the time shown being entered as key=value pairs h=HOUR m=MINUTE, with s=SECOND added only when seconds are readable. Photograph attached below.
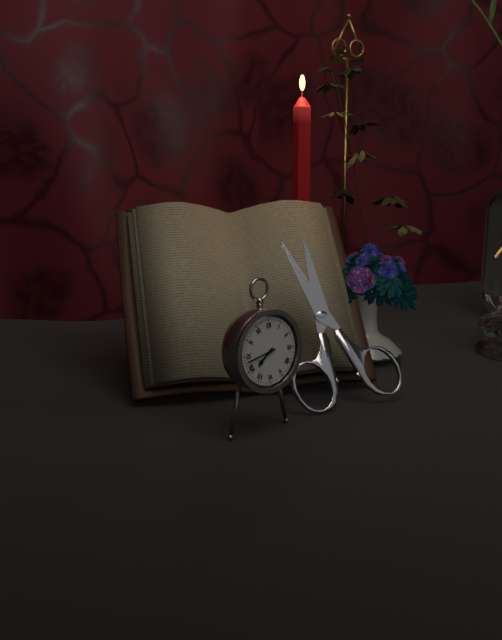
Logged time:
h=7 m=43
